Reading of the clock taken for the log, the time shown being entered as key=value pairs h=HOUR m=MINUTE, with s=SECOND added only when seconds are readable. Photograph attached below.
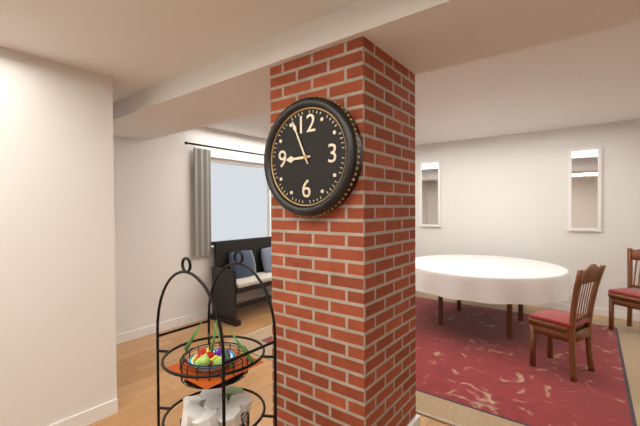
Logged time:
h=8 m=56
